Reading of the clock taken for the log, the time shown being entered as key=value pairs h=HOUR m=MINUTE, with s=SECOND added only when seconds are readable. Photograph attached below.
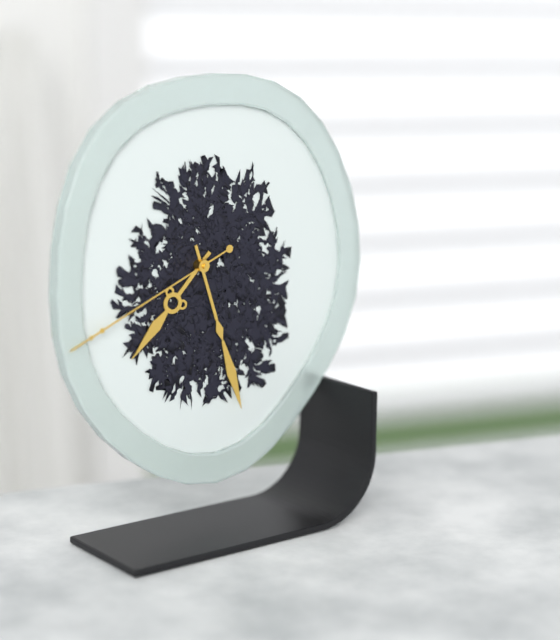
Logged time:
h=7 m=27 s=41
